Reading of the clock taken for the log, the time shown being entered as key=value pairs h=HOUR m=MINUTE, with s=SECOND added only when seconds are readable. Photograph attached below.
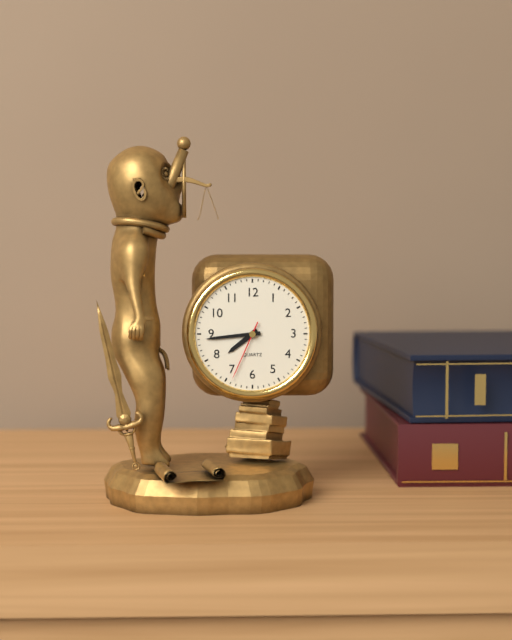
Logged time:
h=7 m=44 s=34
